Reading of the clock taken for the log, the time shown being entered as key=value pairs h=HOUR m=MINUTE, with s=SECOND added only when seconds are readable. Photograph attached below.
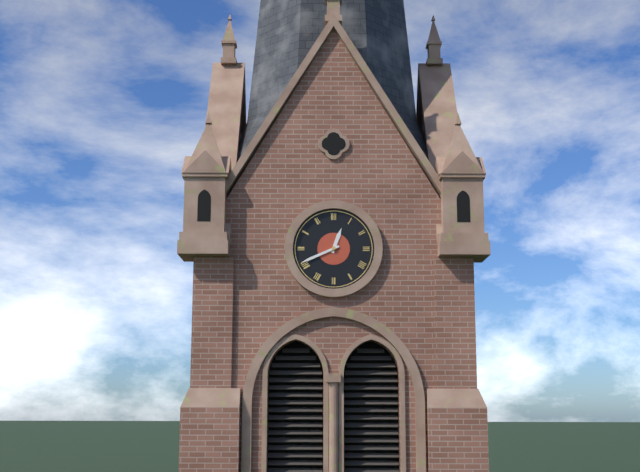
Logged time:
h=12 m=41
